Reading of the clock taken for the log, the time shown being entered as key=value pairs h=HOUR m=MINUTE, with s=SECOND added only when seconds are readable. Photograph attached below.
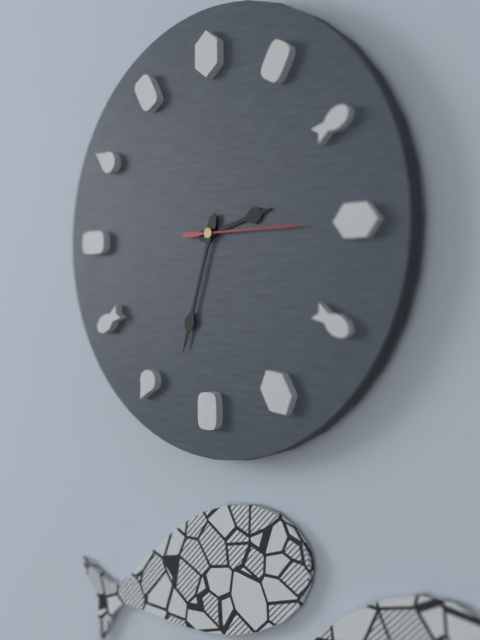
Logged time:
h=2 m=33 s=15
